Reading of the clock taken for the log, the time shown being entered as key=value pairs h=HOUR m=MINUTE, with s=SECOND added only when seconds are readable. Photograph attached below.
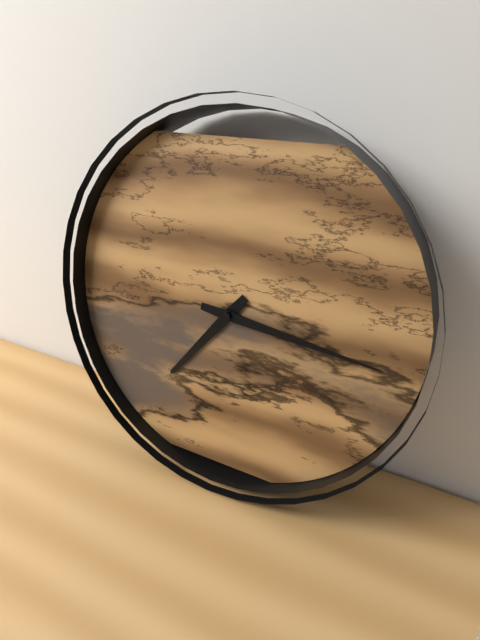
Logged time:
h=7 m=16
